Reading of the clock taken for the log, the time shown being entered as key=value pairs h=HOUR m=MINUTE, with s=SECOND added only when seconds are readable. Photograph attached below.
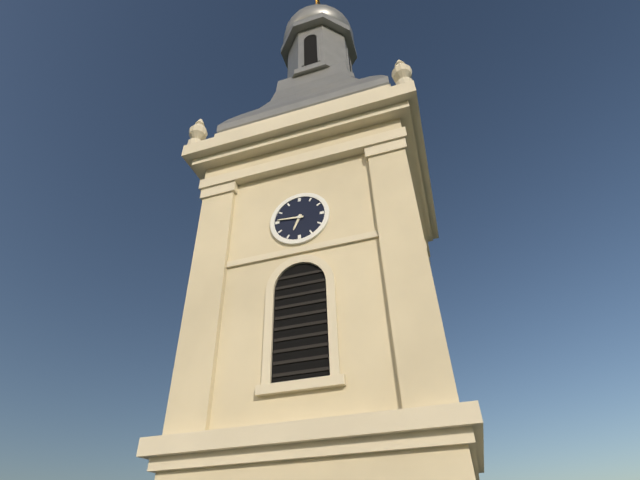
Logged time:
h=6 m=46
